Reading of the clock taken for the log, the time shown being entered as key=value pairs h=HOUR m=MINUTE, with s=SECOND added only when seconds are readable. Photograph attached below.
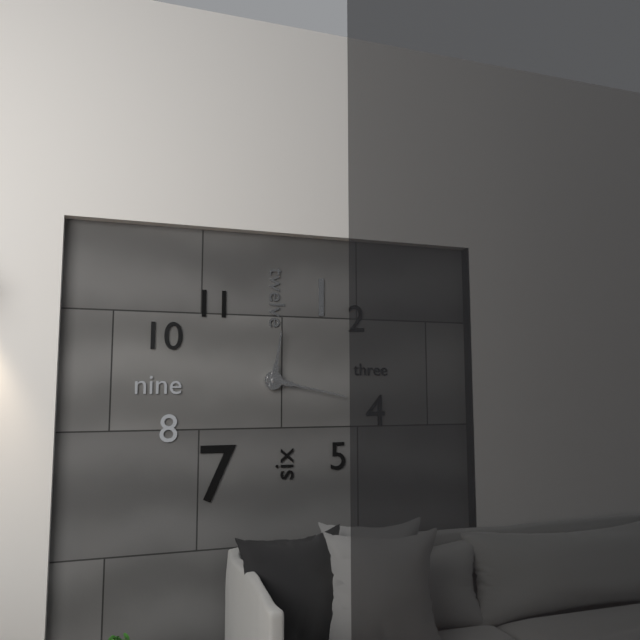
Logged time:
h=12 m=17
